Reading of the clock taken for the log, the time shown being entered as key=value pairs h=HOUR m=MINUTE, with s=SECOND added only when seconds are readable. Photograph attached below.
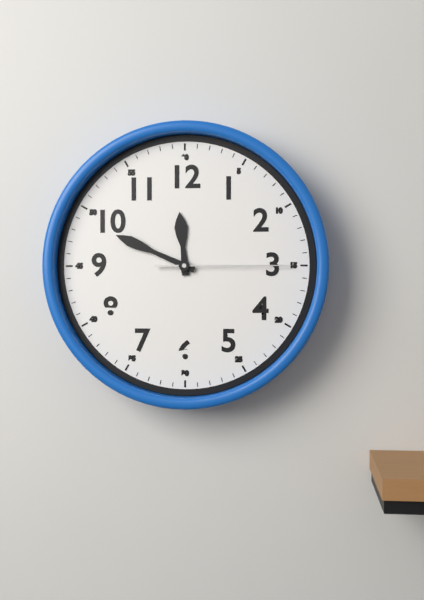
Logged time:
h=11 m=49 s=15
